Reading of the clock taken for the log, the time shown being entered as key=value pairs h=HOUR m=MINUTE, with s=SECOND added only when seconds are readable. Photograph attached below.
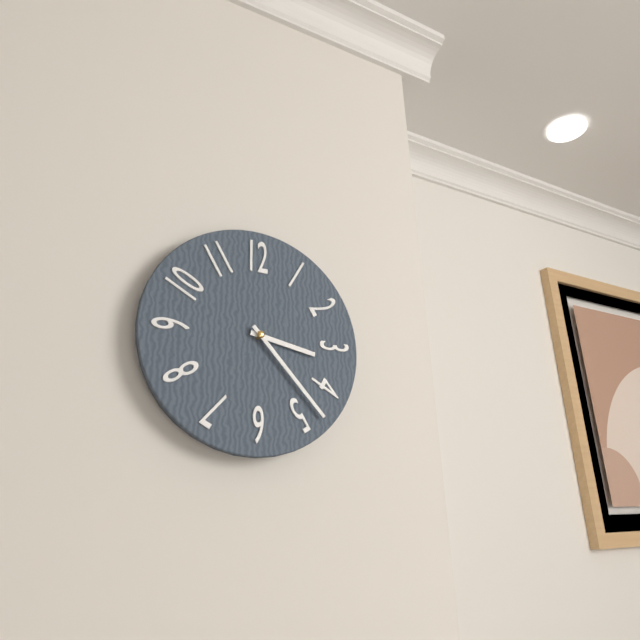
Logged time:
h=3 m=23
